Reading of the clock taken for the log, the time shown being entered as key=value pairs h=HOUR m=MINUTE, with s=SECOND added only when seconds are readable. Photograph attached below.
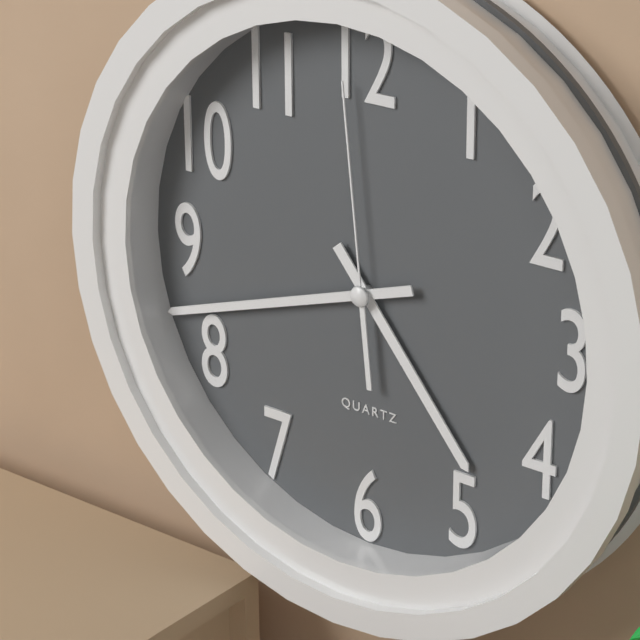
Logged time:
h=4 m=42 s=59
